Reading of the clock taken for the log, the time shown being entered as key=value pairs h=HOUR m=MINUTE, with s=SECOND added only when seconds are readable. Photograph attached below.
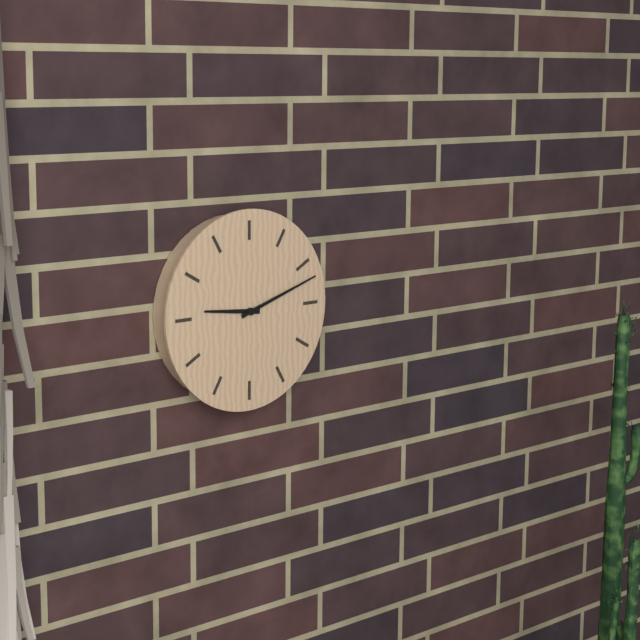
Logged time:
h=9 m=12
